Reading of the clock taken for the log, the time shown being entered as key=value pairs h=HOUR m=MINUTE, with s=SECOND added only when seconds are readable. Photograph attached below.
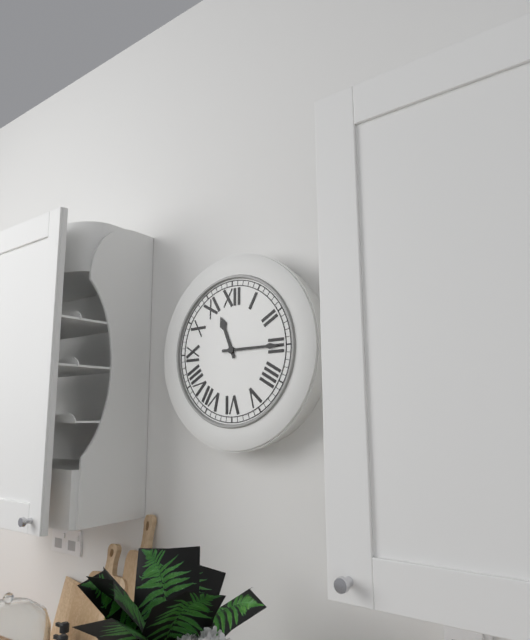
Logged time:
h=11 m=15
